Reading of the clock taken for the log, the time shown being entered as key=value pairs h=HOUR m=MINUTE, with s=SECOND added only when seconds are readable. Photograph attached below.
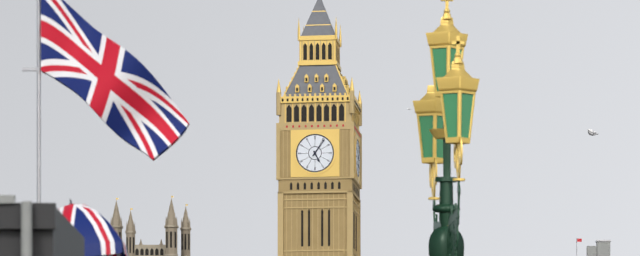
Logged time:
h=5 m=6
